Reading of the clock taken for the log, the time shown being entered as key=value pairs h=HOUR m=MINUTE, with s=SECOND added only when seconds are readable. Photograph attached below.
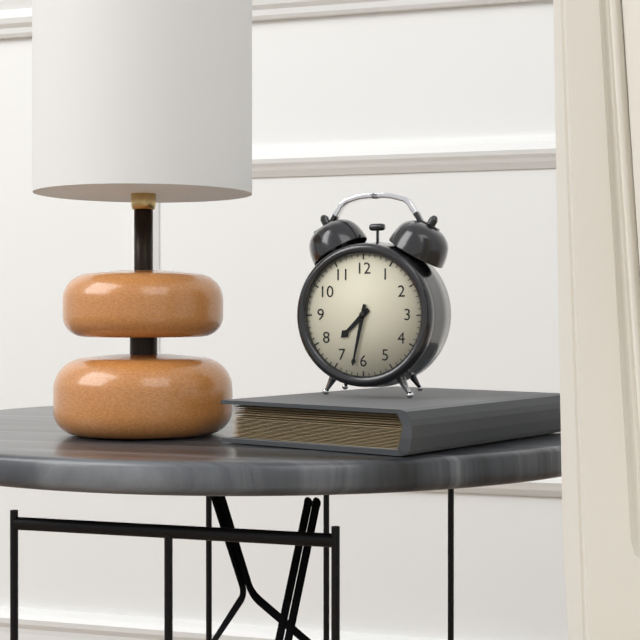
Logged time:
h=7 m=32
